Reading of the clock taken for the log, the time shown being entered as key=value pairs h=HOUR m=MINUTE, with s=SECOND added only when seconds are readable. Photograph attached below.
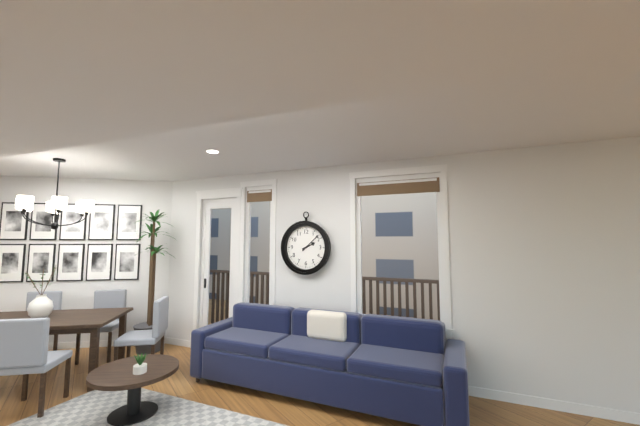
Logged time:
h=2 m=8
